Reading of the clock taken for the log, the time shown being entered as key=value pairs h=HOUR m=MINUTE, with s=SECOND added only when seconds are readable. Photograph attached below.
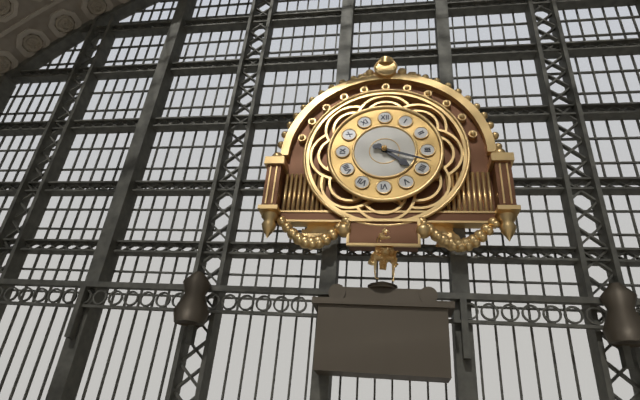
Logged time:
h=4 m=18
